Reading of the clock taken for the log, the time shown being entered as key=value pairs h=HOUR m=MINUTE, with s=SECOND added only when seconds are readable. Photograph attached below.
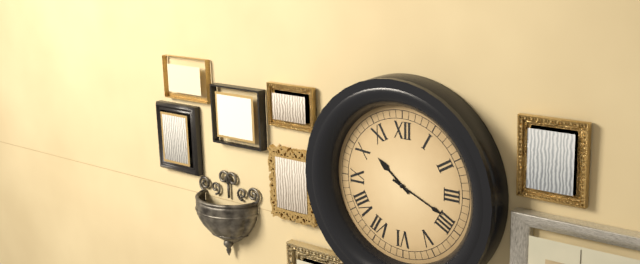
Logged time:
h=10 m=19
